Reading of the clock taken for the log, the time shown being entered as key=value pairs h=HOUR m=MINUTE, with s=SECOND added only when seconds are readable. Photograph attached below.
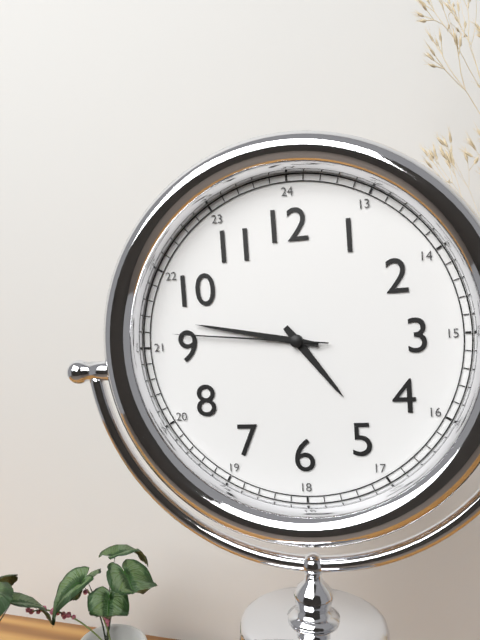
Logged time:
h=4 m=47 s=46
